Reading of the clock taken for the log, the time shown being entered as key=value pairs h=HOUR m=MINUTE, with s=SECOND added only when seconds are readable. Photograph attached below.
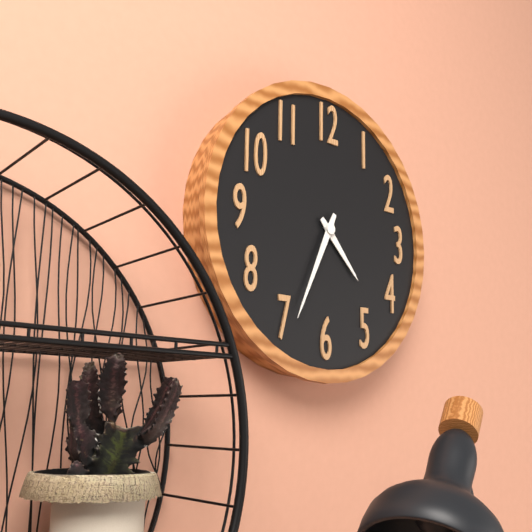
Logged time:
h=4 m=34
